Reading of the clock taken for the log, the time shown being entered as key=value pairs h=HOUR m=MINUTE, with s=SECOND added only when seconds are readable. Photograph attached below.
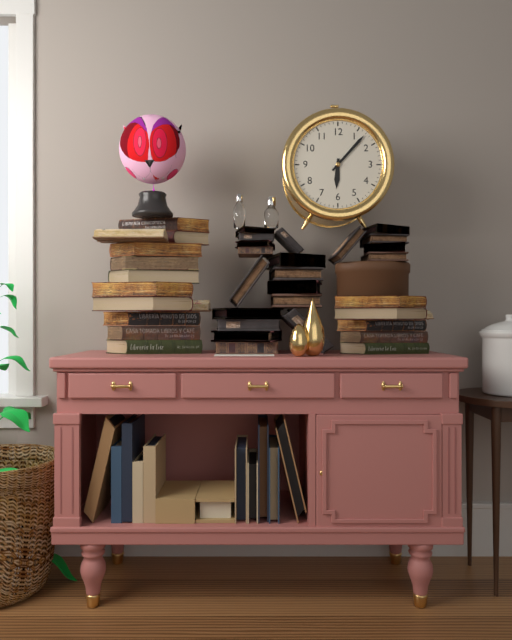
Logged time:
h=6 m=7
